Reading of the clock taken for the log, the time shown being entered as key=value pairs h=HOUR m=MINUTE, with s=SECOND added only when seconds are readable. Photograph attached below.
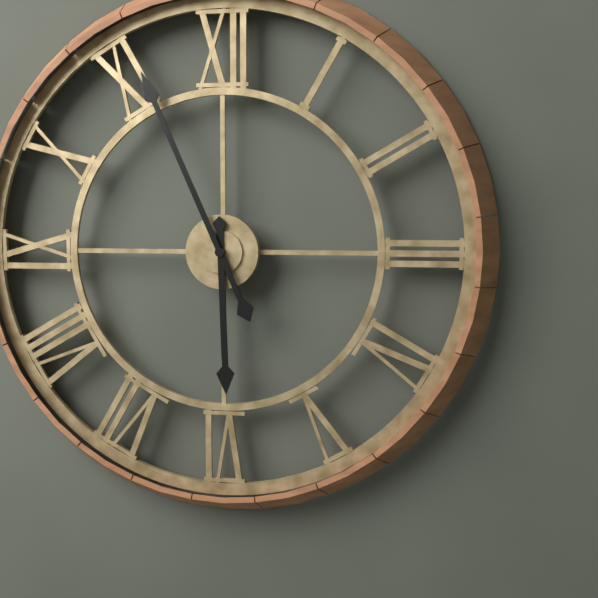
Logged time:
h=5 m=56
